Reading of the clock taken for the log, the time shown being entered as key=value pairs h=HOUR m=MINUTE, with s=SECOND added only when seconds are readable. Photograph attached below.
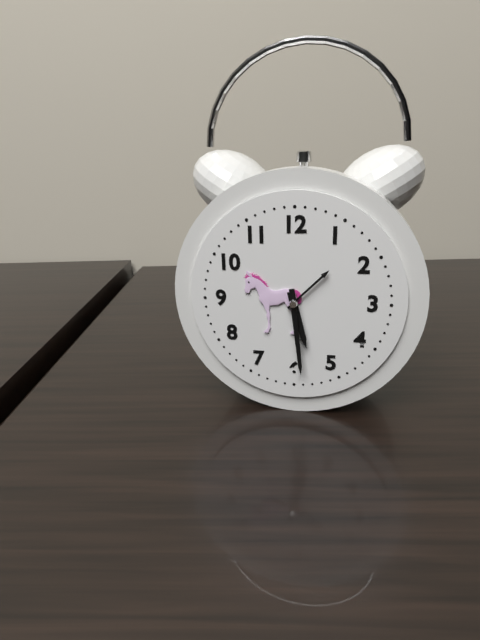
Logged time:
h=5 m=29
